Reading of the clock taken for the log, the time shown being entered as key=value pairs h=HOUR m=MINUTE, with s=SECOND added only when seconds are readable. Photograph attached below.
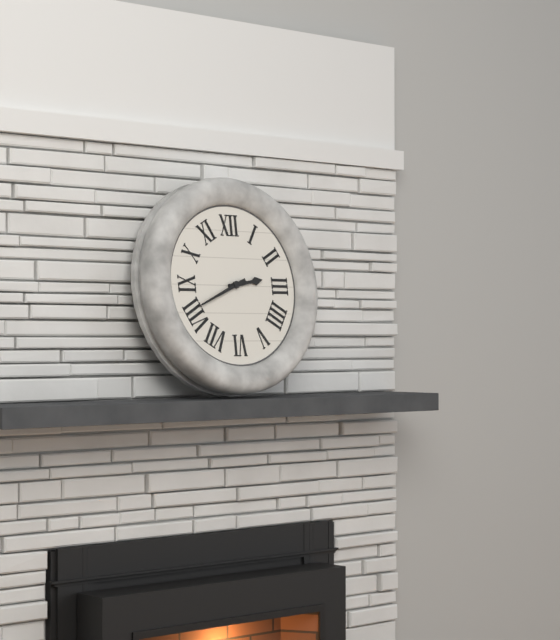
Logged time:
h=2 m=41
